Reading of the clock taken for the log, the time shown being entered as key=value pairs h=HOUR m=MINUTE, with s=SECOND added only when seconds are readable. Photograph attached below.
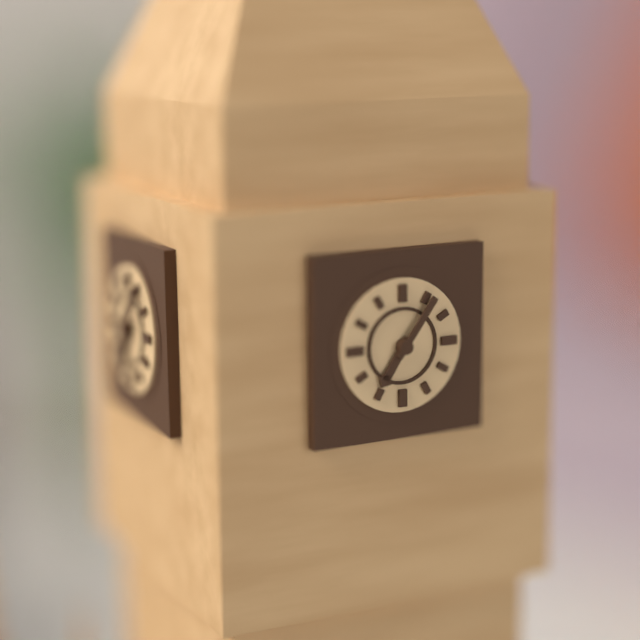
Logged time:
h=7 m=6
